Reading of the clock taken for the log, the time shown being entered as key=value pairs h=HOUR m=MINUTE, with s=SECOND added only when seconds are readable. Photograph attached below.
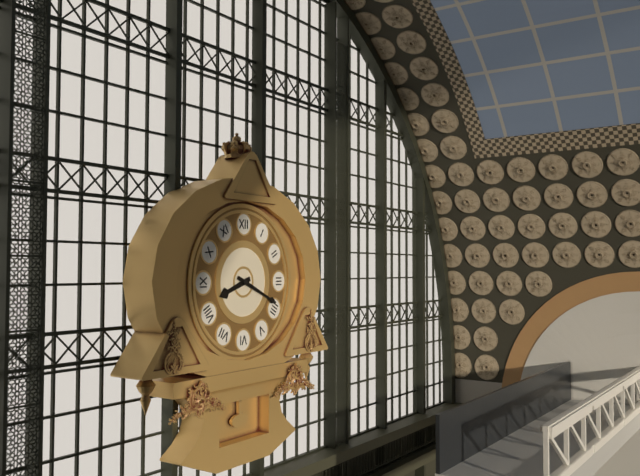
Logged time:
h=8 m=19
